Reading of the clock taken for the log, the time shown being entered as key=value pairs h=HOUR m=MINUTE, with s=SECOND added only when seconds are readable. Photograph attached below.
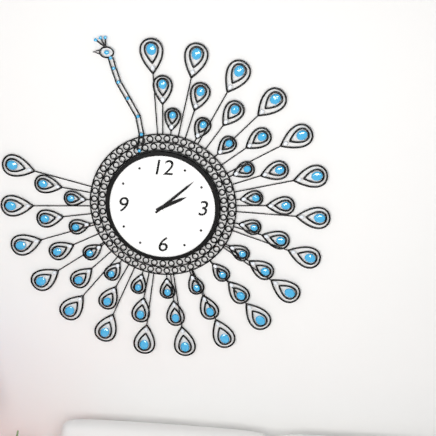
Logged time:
h=2 m=8
